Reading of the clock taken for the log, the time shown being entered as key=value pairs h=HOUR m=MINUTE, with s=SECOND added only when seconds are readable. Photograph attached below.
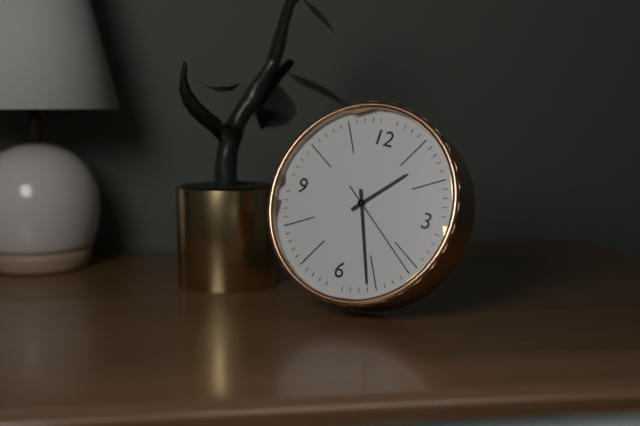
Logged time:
h=1 m=26 s=21
